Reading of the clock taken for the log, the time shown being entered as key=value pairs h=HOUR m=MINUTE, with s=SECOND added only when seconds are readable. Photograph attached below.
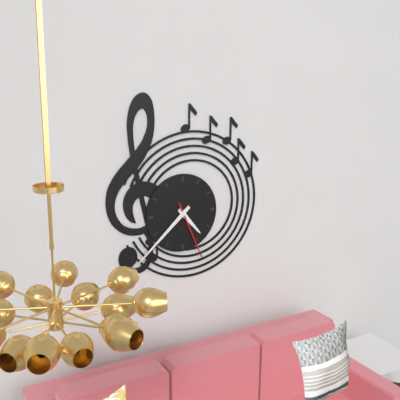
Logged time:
h=4 m=38 s=26
